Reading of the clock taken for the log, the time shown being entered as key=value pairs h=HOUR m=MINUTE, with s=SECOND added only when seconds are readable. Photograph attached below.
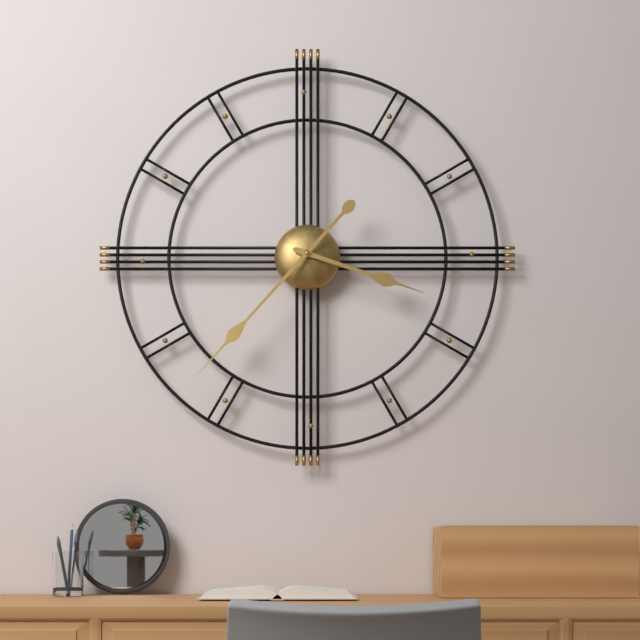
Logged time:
h=3 m=37
